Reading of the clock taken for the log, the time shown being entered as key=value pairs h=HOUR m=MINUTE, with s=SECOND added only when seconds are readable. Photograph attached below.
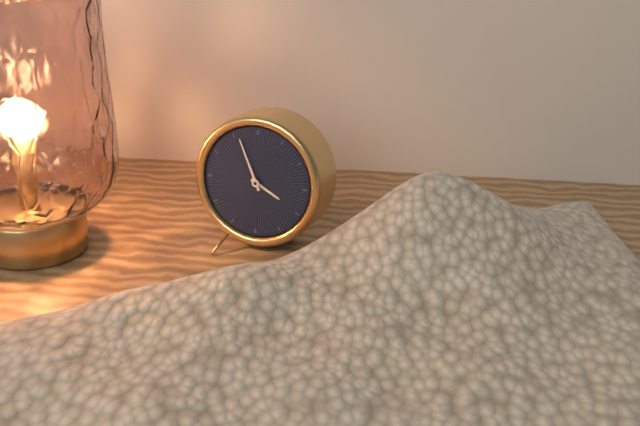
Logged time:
h=3 m=56
